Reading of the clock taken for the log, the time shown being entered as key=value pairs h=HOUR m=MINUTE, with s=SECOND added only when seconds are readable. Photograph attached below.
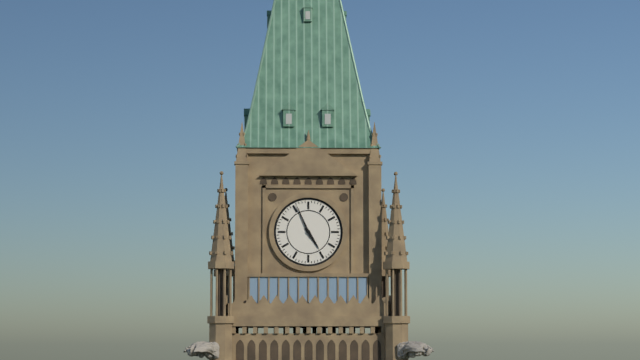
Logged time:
h=4 m=56
